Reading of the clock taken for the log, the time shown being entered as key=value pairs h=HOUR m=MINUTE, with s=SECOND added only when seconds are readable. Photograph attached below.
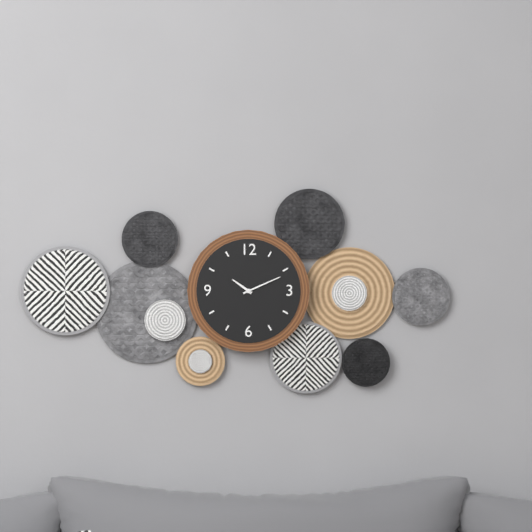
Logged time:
h=10 m=11
